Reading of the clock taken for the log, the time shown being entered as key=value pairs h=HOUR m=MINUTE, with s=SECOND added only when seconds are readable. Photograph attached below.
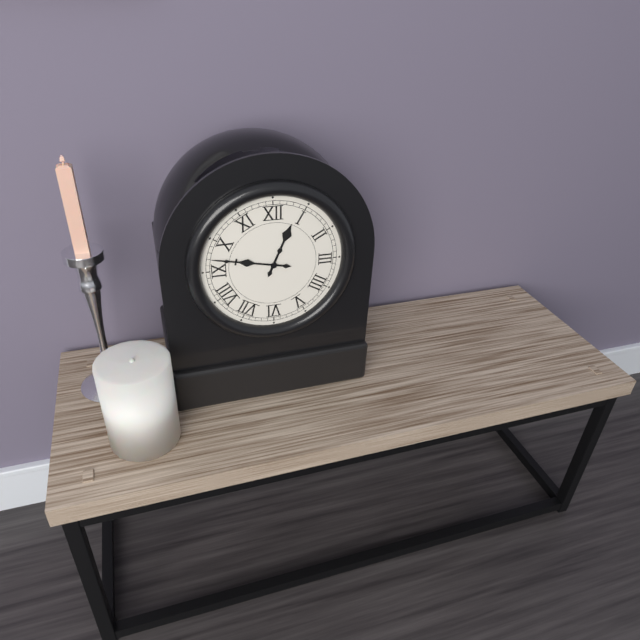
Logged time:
h=12 m=47
